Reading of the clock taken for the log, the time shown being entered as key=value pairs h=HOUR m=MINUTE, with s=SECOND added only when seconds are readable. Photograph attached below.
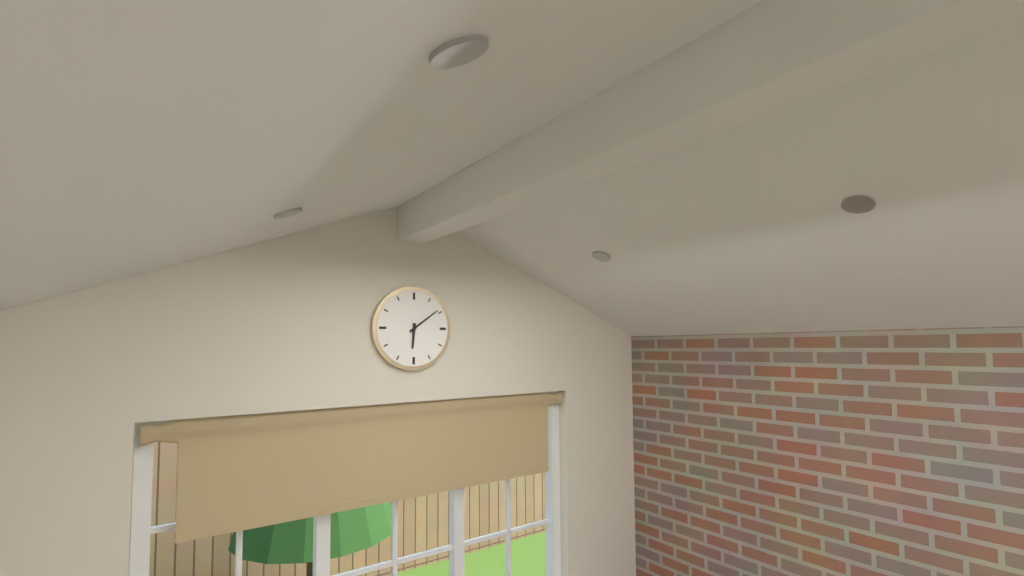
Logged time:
h=6 m=9
